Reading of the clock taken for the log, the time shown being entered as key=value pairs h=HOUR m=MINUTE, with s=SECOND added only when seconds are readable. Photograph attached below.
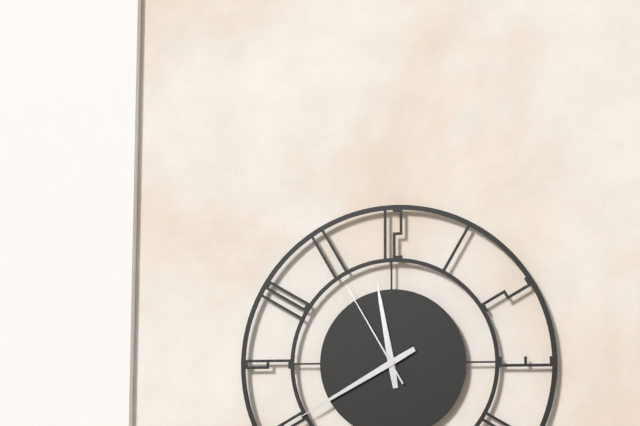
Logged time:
h=11 m=40 s=55
